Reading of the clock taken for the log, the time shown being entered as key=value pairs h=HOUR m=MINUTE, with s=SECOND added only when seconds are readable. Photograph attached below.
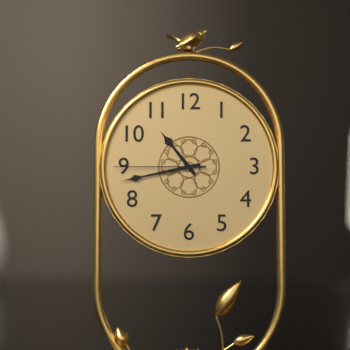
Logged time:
h=10 m=43 s=45
